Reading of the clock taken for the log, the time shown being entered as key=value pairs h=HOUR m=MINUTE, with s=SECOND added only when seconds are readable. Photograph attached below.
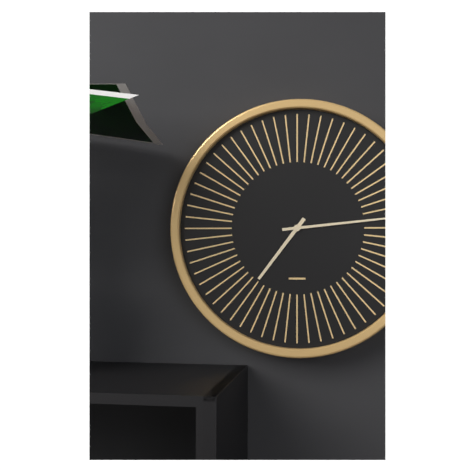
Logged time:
h=7 m=14
